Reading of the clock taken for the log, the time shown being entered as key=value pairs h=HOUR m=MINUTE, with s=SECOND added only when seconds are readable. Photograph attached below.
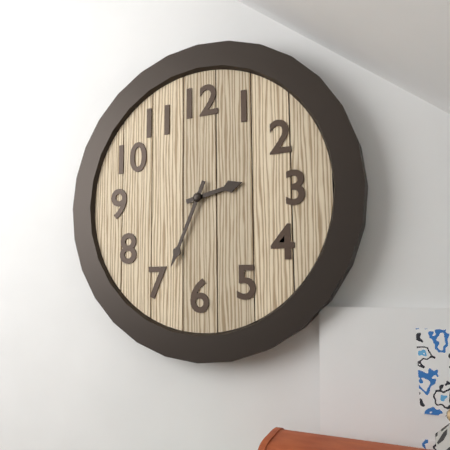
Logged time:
h=2 m=34
